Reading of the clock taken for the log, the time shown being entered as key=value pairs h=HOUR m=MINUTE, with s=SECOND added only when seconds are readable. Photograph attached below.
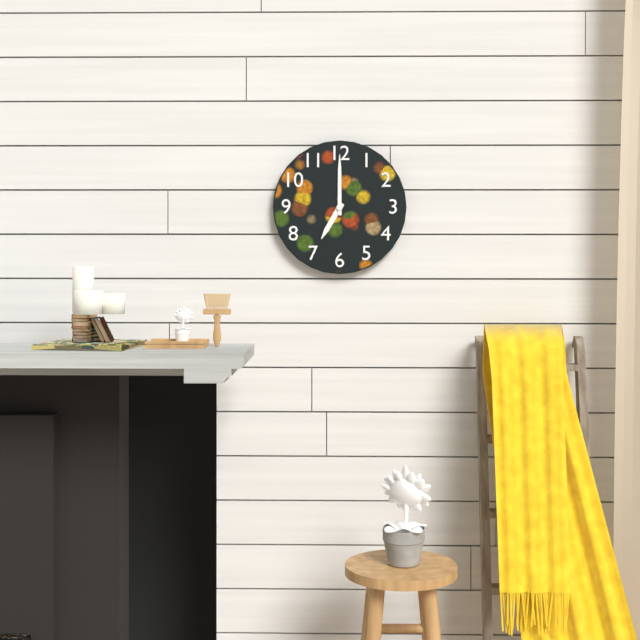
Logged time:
h=7 m=0
